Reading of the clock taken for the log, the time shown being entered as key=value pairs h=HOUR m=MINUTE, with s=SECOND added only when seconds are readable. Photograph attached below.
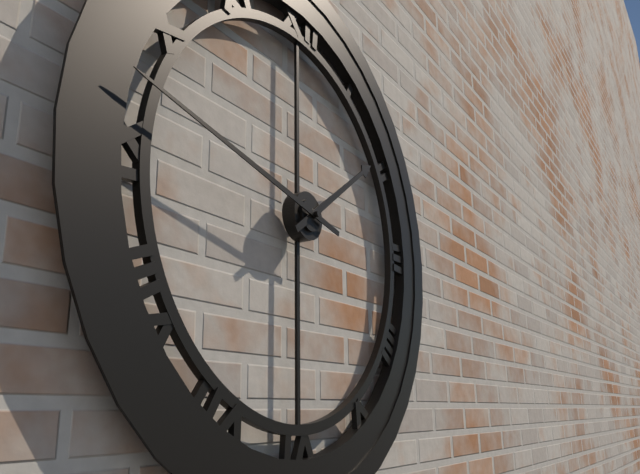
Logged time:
h=1 m=47
